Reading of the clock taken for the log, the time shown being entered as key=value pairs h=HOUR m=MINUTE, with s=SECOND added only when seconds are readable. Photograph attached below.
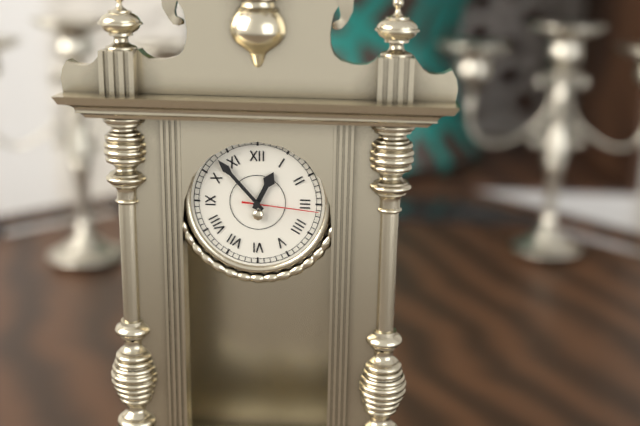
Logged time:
h=12 m=53 s=16
